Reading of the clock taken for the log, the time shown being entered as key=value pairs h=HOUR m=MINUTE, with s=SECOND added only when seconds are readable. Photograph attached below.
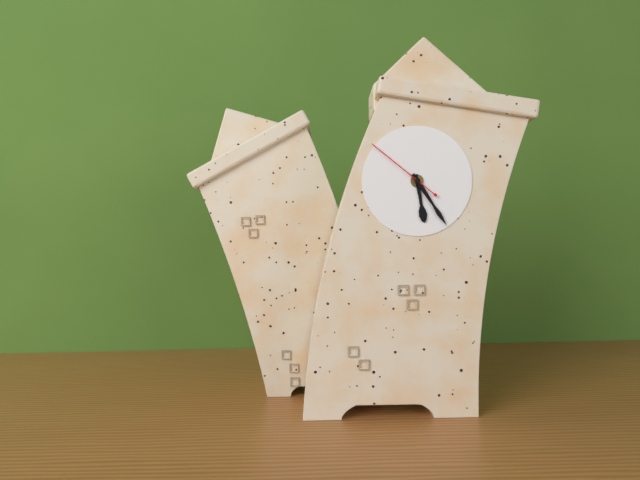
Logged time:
h=5 m=23 s=50
